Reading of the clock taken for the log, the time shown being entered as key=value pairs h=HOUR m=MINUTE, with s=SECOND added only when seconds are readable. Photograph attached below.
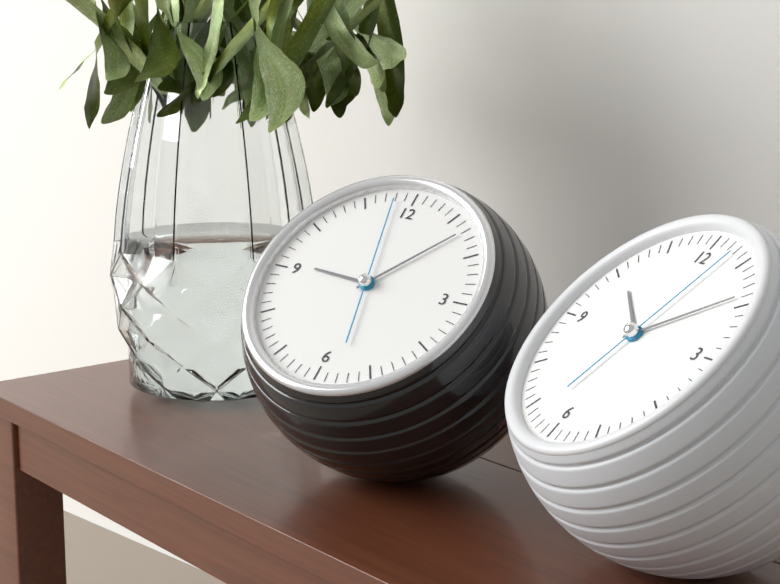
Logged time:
h=9 m=7 s=58
